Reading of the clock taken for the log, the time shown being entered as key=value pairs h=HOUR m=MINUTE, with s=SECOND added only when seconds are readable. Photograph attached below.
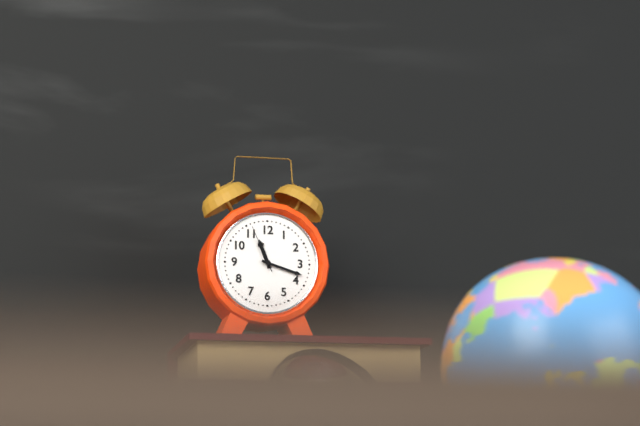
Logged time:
h=11 m=18 s=56
